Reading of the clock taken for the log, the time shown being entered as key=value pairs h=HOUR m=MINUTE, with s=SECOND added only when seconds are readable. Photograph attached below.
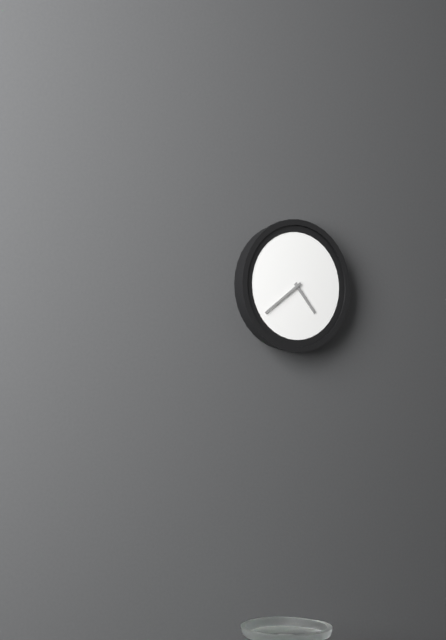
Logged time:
h=4 m=39
